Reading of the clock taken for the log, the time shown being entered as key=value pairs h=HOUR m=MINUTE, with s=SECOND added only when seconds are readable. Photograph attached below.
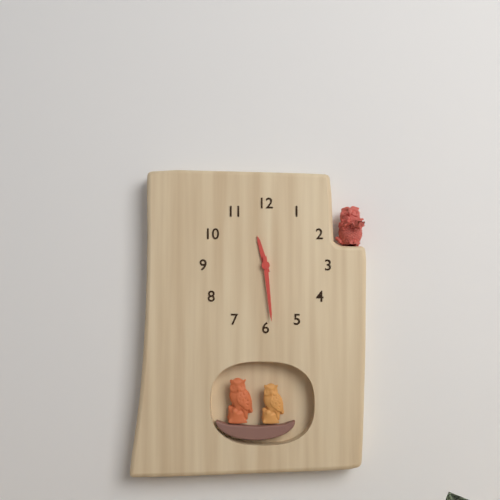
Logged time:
h=11 m=29
